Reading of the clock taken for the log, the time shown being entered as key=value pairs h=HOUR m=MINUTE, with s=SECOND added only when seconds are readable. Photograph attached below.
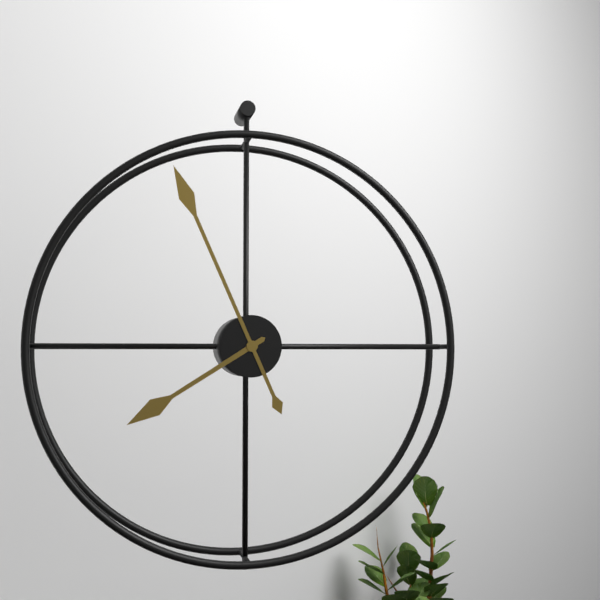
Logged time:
h=7 m=56
